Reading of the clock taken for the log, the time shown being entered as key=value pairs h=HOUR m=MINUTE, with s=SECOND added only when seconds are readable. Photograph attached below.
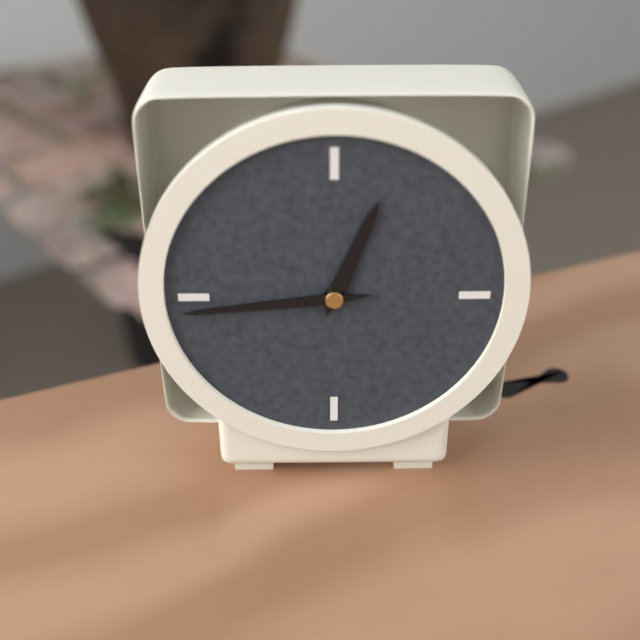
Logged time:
h=12 m=44
